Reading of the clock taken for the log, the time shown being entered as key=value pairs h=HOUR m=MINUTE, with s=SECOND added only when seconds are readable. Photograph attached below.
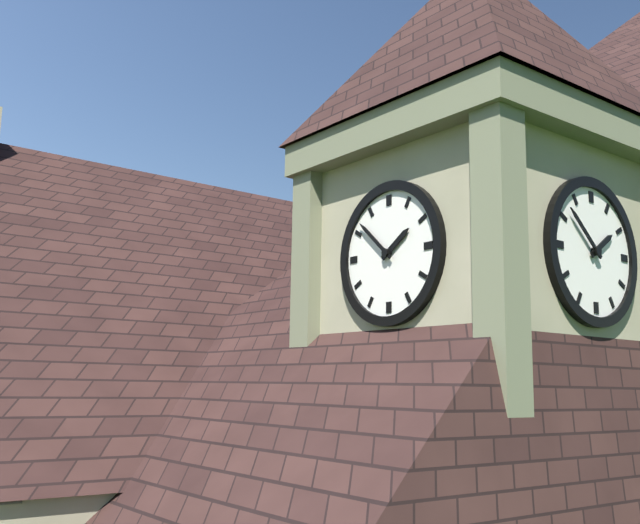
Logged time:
h=1 m=52
